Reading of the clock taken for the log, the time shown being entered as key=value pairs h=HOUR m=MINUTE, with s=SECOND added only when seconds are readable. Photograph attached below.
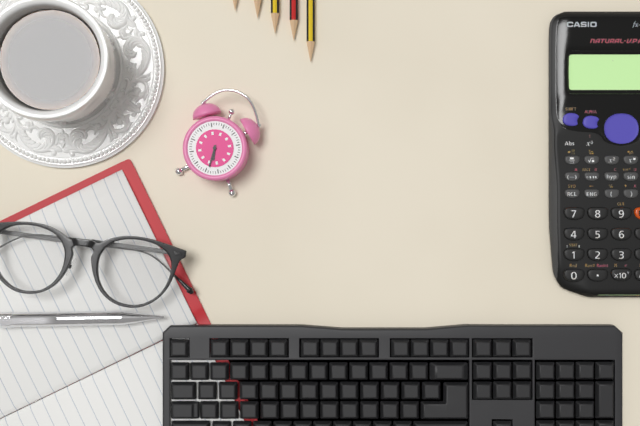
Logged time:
h=5 m=29
